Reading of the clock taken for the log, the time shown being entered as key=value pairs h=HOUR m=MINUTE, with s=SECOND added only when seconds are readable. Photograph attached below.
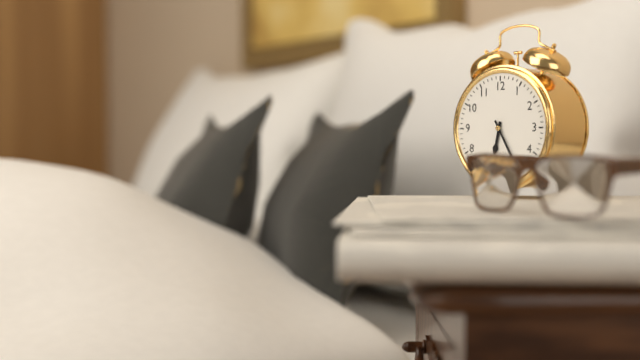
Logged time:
h=6 m=25
